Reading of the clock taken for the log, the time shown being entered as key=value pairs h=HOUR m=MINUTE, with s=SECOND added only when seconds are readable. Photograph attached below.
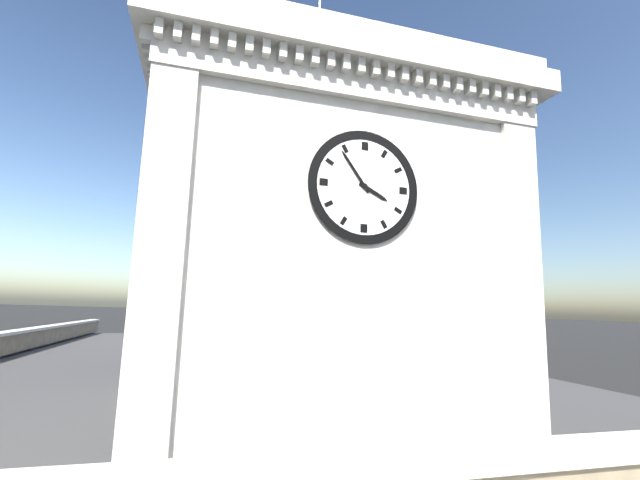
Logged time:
h=3 m=54
